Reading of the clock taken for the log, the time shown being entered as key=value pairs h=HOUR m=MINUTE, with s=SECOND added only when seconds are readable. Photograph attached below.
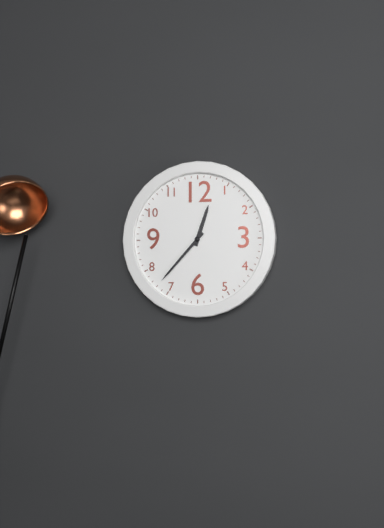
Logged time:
h=12 m=37
